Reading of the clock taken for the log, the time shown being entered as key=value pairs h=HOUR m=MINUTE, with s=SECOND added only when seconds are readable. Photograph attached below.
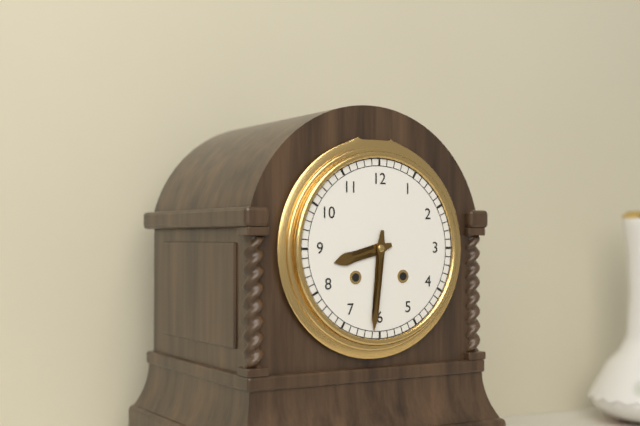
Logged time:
h=8 m=31
